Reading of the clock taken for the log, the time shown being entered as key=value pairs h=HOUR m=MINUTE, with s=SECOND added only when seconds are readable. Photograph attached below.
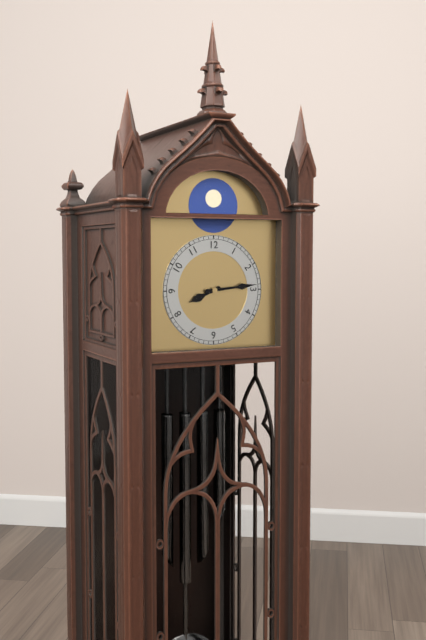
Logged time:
h=8 m=14
